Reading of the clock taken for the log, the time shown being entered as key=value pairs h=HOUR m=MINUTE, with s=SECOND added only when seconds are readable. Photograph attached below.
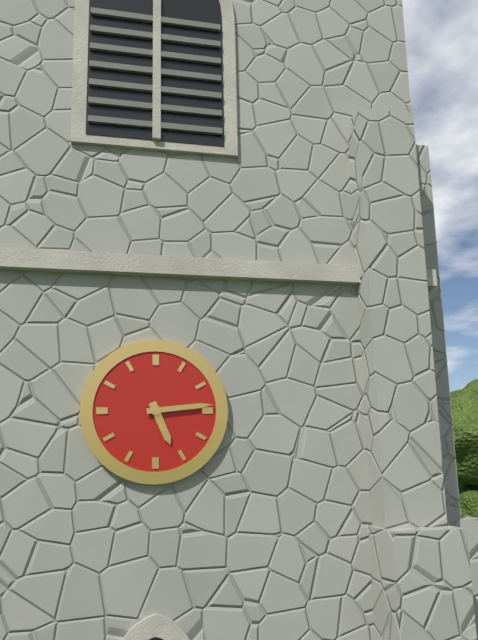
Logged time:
h=5 m=14
